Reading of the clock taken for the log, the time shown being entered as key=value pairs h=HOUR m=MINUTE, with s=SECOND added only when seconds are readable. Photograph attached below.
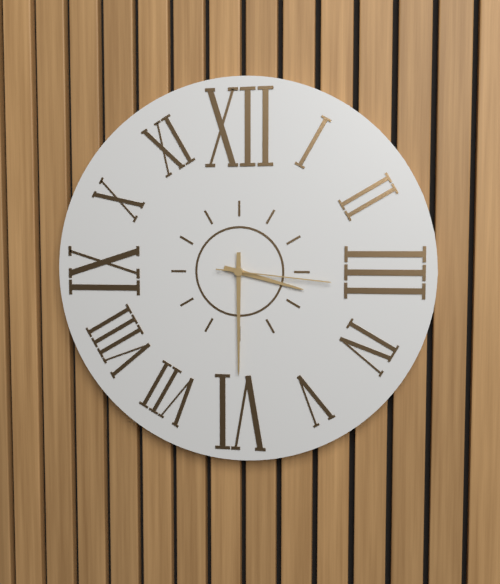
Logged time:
h=3 m=30 s=16
